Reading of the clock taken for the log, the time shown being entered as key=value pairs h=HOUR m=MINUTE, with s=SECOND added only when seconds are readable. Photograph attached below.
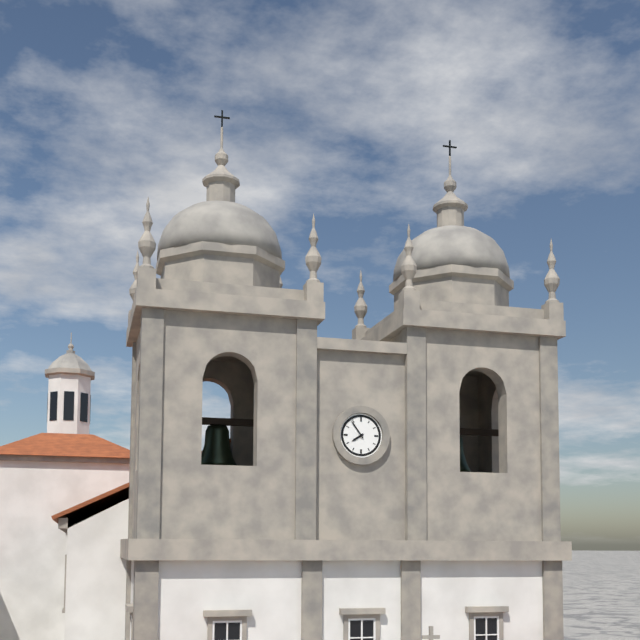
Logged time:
h=7 m=54
